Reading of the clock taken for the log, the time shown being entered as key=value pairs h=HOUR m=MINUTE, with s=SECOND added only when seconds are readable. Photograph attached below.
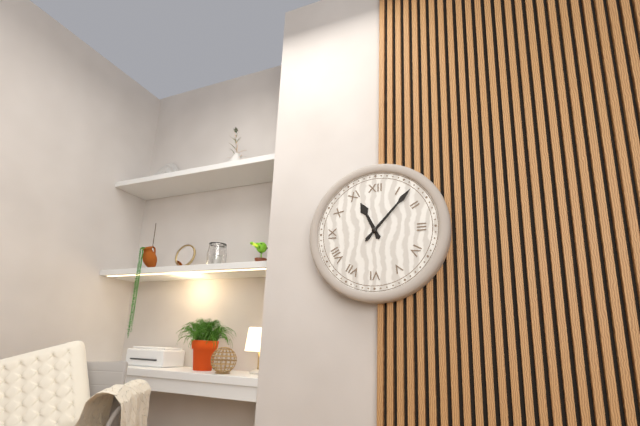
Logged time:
h=11 m=7
